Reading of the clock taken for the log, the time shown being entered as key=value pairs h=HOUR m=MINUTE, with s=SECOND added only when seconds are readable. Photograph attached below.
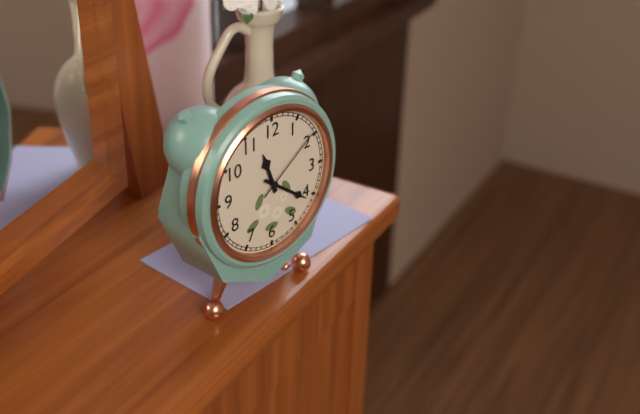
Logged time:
h=11 m=21 s=9
